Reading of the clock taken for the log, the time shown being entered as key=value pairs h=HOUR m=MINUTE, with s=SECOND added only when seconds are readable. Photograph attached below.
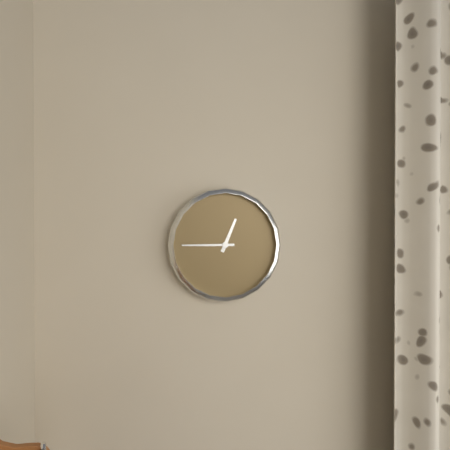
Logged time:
h=12 m=45
